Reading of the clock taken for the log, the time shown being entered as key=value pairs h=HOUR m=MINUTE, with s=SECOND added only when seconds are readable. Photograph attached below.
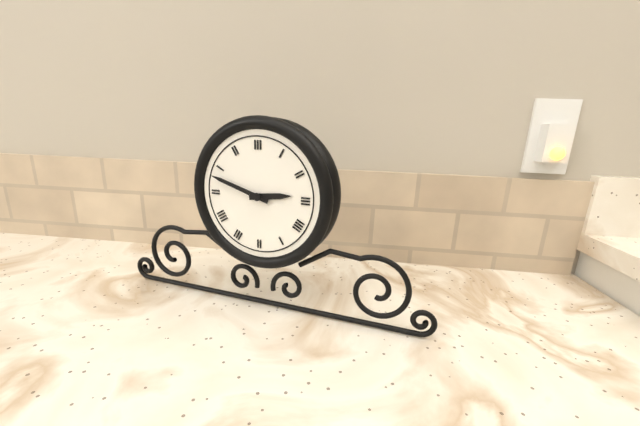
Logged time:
h=2 m=48
